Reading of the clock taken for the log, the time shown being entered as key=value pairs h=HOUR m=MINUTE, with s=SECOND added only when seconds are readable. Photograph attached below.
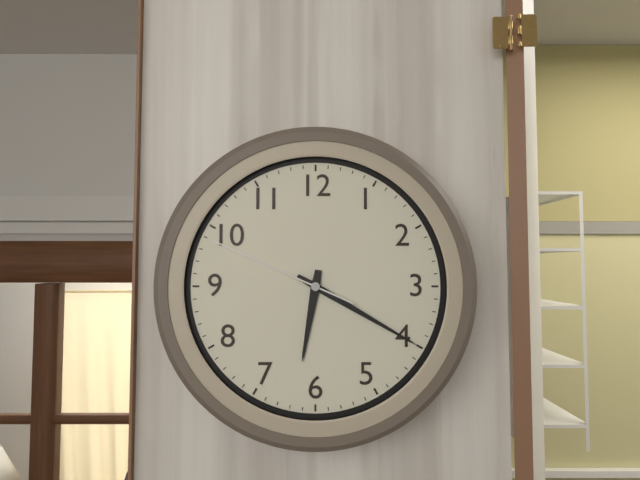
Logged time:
h=6 m=20 s=49
